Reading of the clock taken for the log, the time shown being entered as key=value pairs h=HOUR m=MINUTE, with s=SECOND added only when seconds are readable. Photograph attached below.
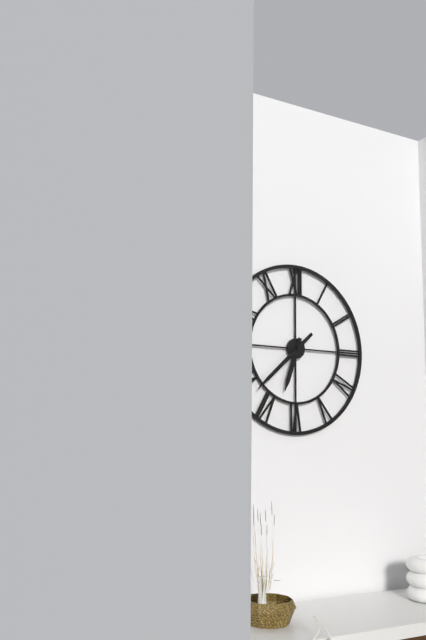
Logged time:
h=6 m=38
